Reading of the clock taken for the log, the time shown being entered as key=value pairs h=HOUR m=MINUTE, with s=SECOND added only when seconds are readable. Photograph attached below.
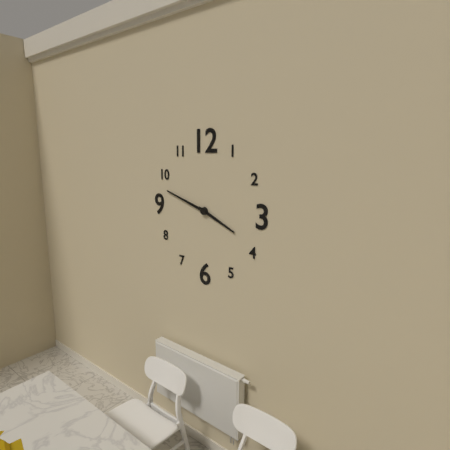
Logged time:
h=3 m=48
